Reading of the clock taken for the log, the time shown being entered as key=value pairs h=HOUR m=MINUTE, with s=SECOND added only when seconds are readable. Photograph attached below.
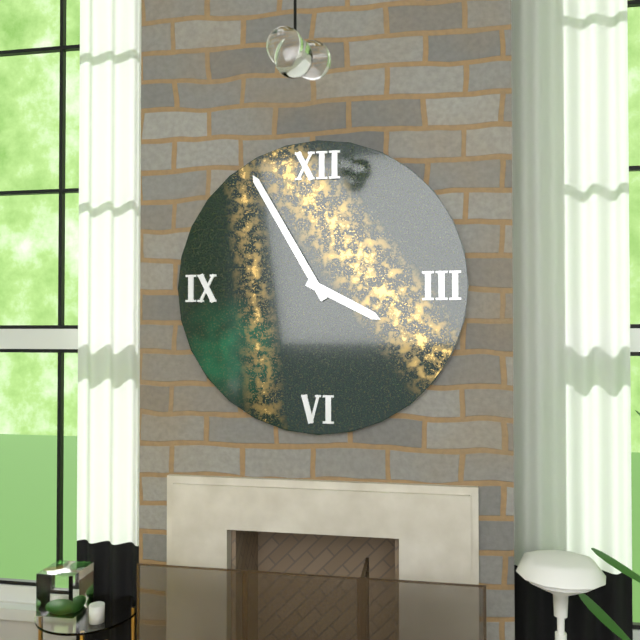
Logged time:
h=3 m=55
